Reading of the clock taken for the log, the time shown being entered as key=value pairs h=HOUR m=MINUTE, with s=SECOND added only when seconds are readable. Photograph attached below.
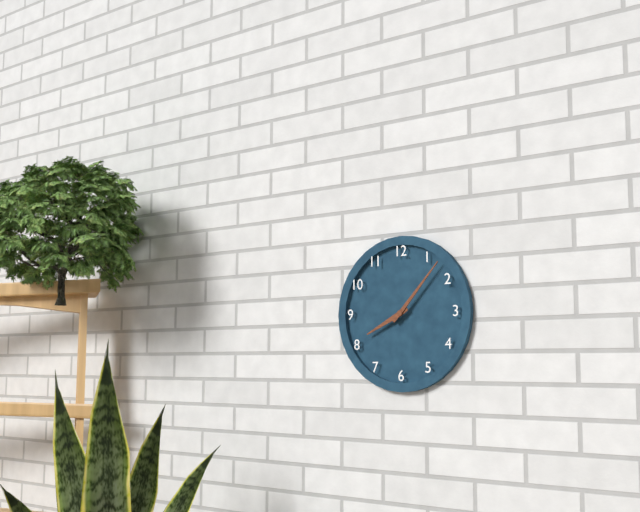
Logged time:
h=8 m=7
